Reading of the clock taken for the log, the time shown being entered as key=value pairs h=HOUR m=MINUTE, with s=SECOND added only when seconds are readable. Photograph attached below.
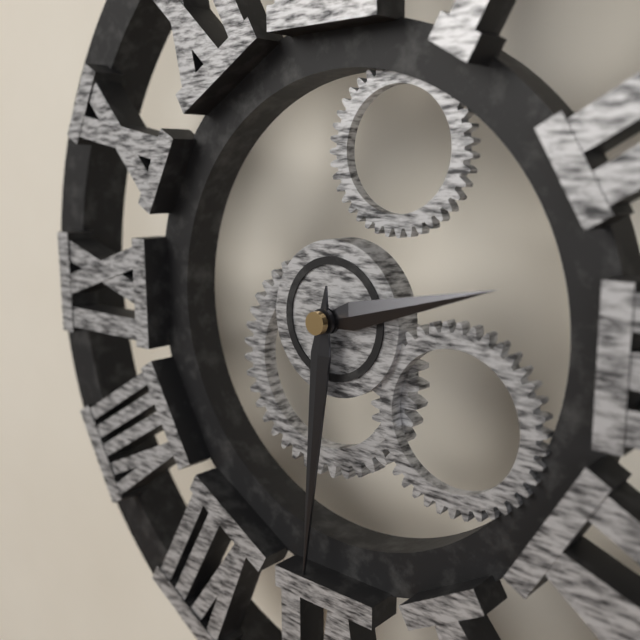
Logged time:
h=2 m=31
